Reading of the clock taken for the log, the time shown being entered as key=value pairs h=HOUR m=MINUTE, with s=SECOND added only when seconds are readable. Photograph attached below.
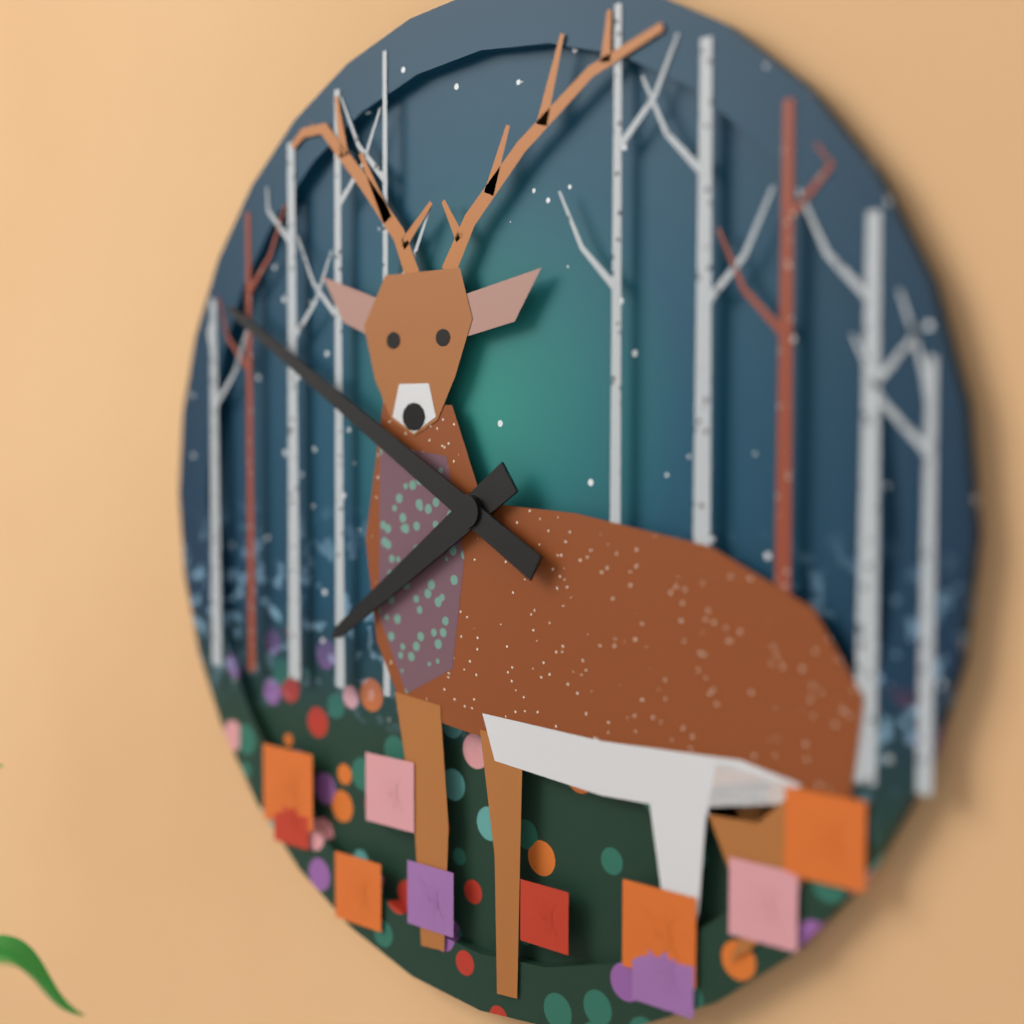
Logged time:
h=7 m=50
